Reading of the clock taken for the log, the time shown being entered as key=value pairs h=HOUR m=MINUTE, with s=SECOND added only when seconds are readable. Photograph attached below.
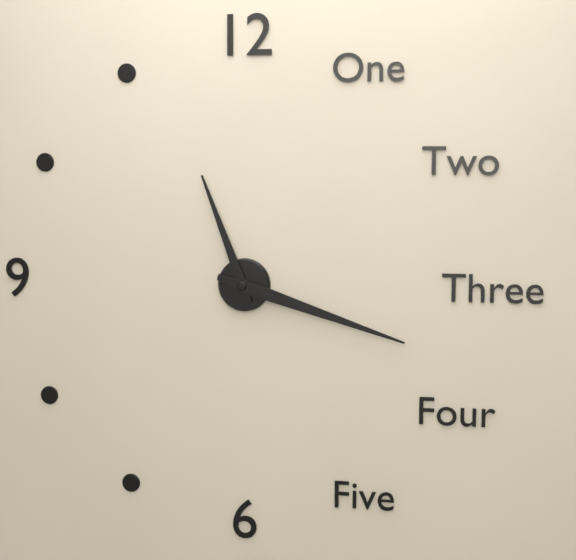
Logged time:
h=11 m=18
